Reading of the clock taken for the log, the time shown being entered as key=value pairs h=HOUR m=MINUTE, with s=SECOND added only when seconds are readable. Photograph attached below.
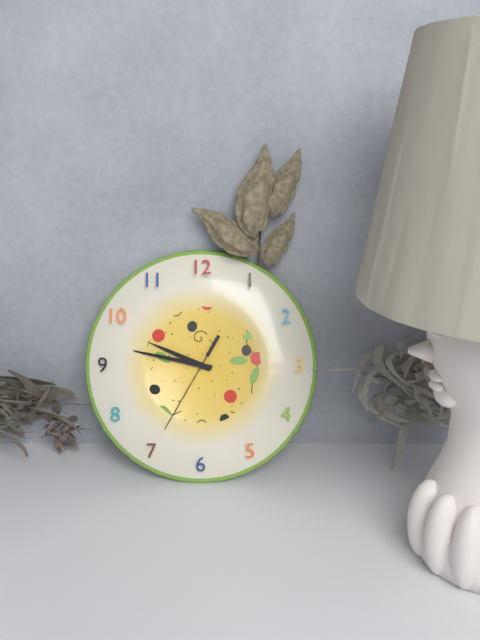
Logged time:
h=9 m=47 s=35
